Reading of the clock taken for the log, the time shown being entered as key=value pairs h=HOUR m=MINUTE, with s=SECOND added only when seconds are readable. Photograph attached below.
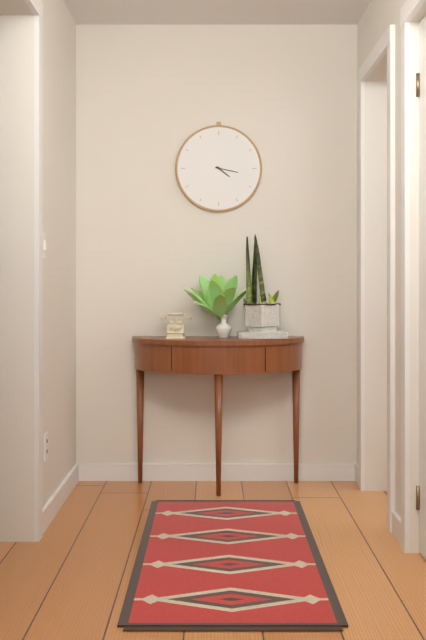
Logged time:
h=4 m=17
